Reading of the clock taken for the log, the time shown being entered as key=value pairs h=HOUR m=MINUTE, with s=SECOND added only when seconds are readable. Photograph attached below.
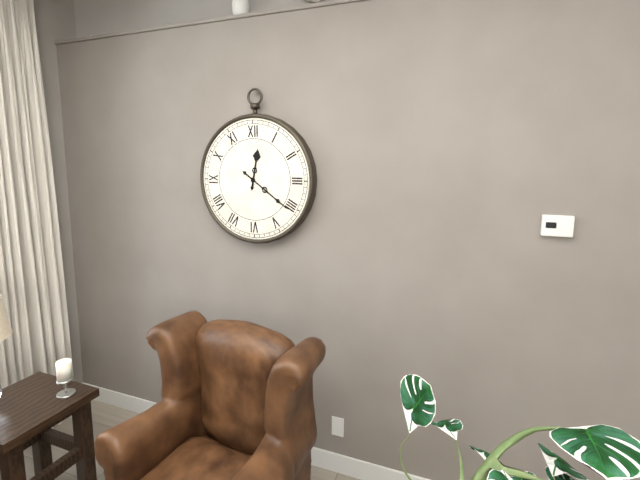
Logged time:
h=12 m=21
